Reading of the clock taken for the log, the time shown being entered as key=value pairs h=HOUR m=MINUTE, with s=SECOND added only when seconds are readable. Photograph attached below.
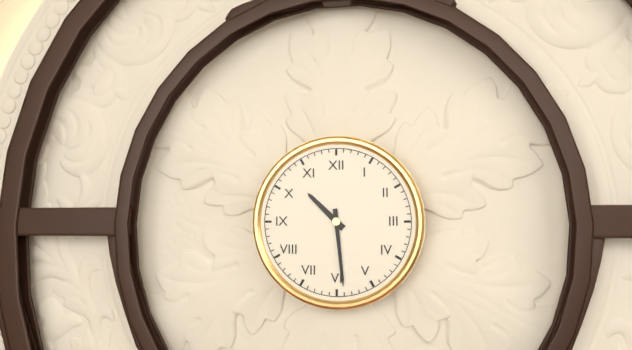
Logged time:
h=10 m=29
